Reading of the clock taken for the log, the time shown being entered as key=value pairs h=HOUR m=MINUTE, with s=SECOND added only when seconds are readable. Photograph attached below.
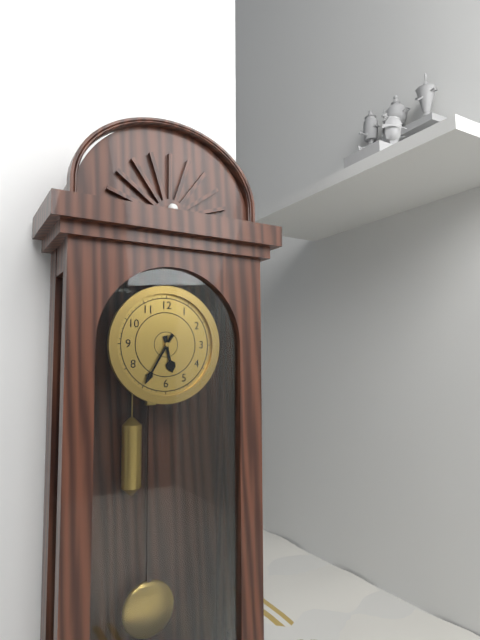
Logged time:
h=5 m=35
